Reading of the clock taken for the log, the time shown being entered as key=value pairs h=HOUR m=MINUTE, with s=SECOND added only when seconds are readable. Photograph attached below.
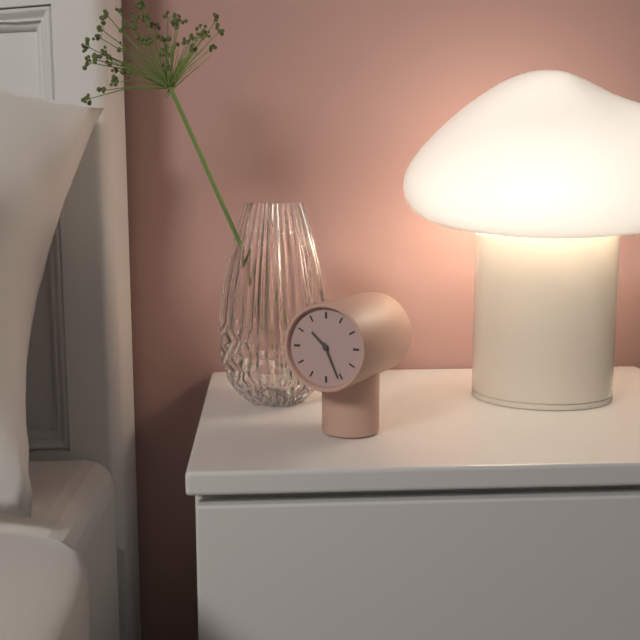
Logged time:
h=10 m=26
